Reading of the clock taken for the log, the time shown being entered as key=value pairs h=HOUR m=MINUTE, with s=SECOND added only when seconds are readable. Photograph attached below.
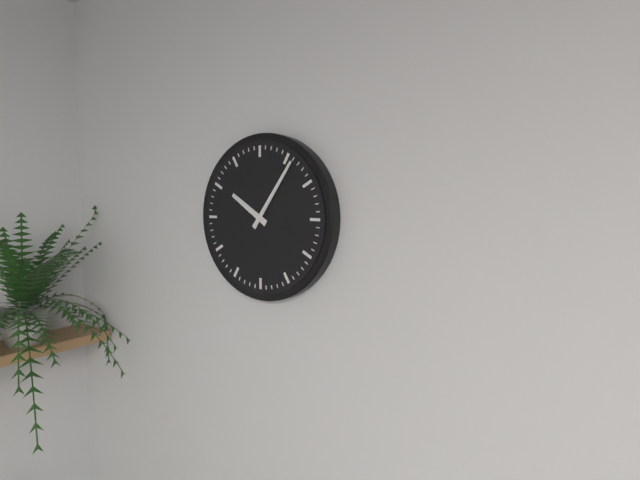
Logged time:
h=10 m=6
